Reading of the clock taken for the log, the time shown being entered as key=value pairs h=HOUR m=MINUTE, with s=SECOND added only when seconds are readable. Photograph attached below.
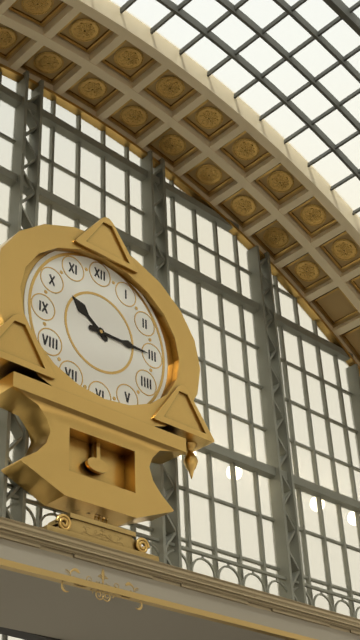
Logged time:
h=10 m=15
